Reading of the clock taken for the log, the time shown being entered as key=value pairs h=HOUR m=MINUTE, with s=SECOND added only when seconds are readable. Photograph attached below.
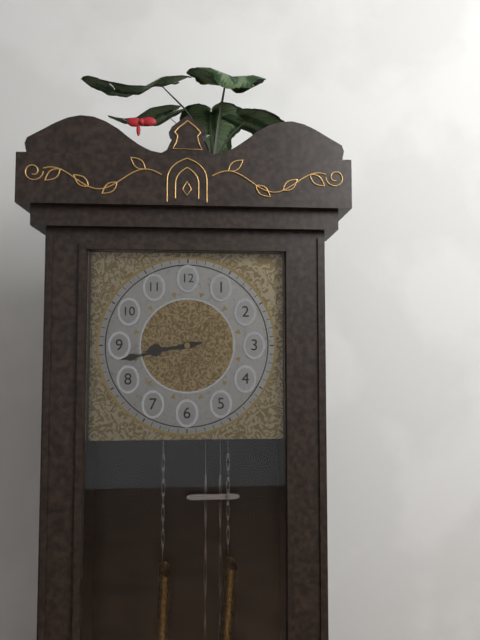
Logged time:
h=8 m=43
